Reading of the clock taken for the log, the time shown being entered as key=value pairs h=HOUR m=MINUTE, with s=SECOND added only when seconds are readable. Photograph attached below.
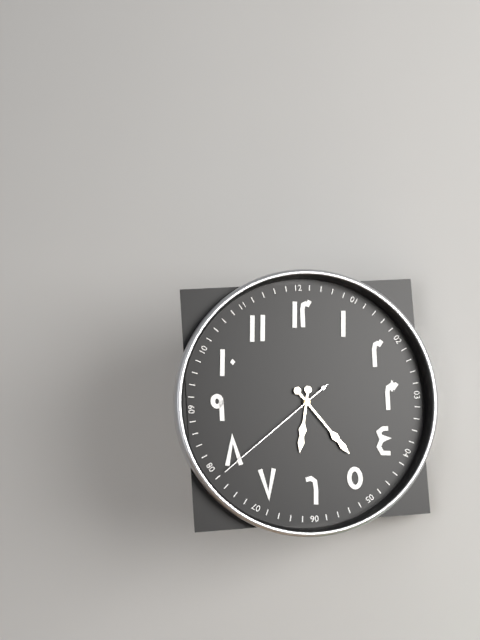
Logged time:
h=6 m=24 s=39
